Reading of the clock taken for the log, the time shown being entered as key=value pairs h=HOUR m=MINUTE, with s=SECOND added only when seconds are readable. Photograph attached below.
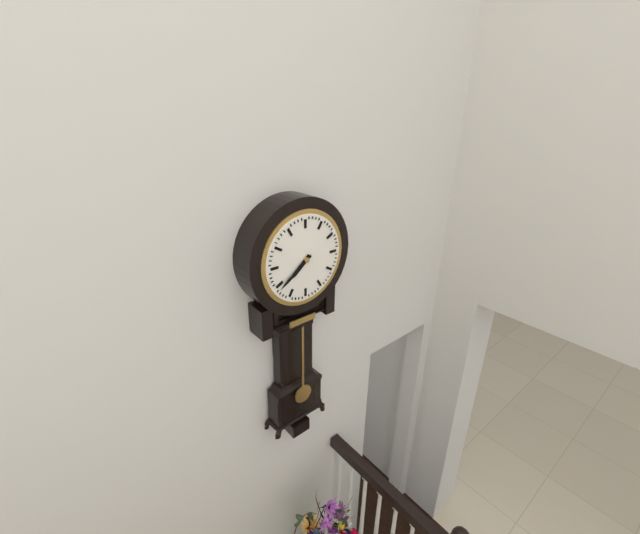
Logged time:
h=7 m=39
